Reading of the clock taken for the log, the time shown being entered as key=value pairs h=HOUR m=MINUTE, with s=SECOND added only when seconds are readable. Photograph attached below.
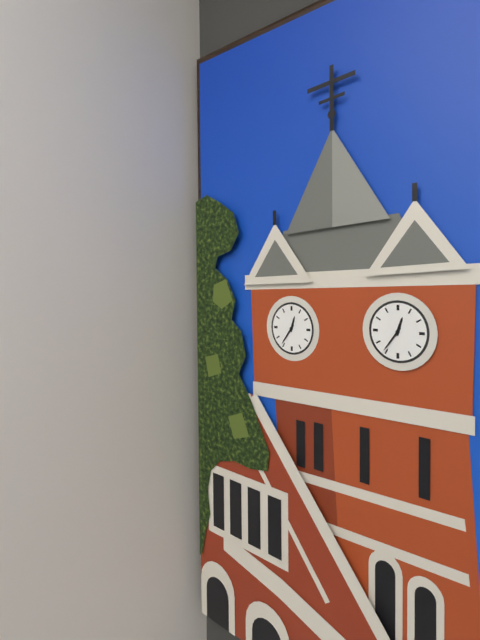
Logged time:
h=12 m=36
